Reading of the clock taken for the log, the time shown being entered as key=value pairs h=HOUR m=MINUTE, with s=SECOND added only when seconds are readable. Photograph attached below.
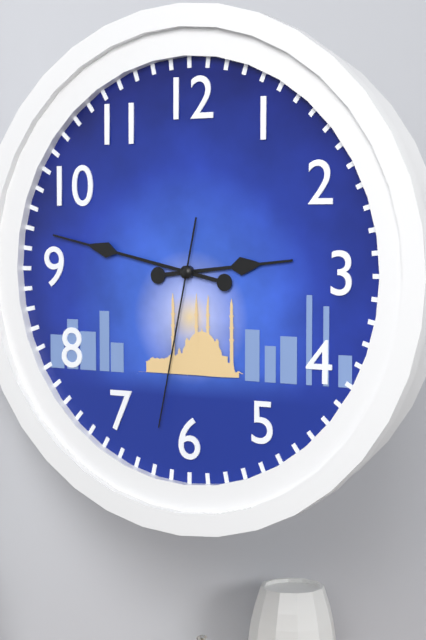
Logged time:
h=2 m=47 s=32
